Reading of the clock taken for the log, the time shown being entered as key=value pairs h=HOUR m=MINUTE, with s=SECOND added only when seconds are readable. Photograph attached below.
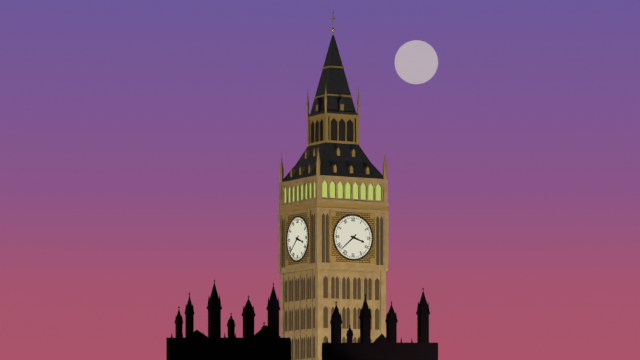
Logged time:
h=3 m=38
